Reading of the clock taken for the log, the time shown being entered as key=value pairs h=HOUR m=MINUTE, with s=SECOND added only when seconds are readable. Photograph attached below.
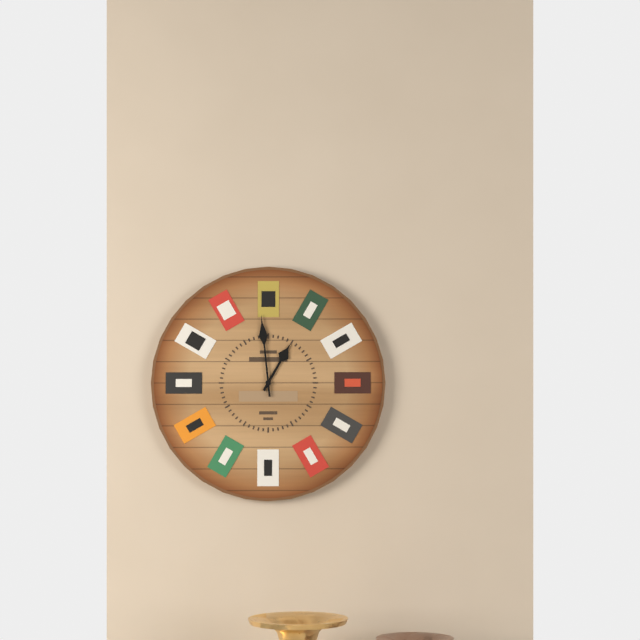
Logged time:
h=12 m=59
